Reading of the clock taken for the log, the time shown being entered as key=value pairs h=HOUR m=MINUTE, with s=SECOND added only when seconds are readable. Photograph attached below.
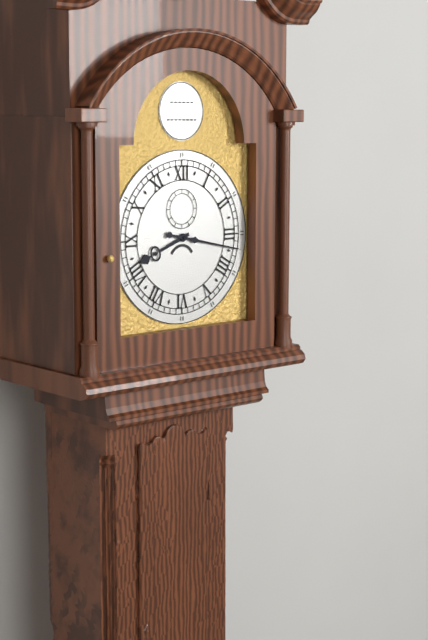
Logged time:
h=8 m=17
